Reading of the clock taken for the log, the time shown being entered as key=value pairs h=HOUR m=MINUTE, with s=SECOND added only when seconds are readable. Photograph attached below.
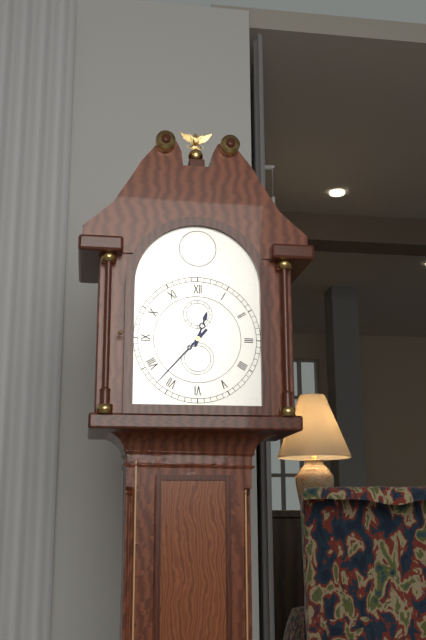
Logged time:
h=12 m=37
